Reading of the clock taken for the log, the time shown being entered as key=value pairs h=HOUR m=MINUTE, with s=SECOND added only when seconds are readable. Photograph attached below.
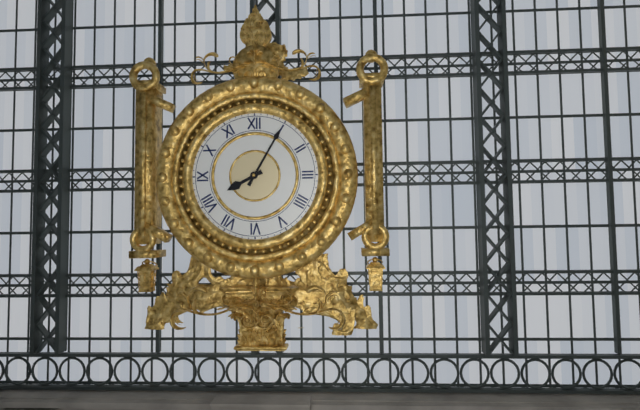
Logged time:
h=8 m=5
